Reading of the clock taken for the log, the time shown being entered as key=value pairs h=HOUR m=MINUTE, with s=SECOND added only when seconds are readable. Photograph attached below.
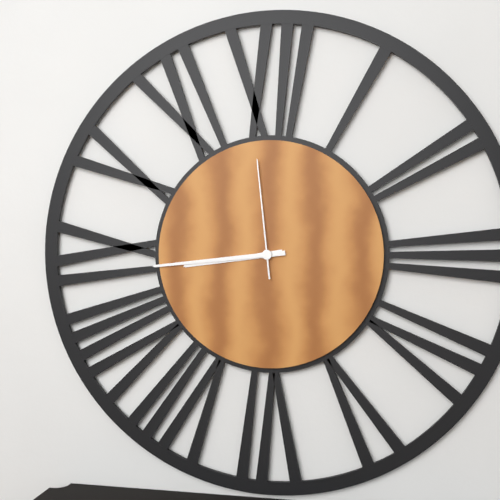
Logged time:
h=8 m=44 s=59
